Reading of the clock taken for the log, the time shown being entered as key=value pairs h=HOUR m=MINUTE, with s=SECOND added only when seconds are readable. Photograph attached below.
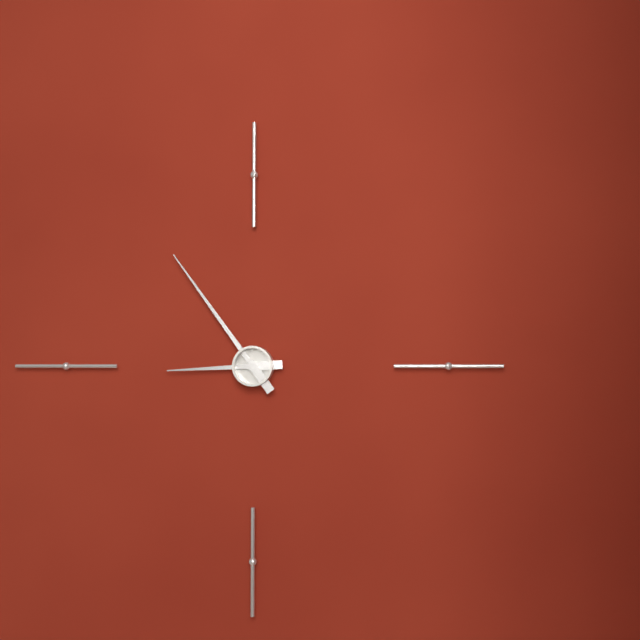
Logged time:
h=8 m=54
